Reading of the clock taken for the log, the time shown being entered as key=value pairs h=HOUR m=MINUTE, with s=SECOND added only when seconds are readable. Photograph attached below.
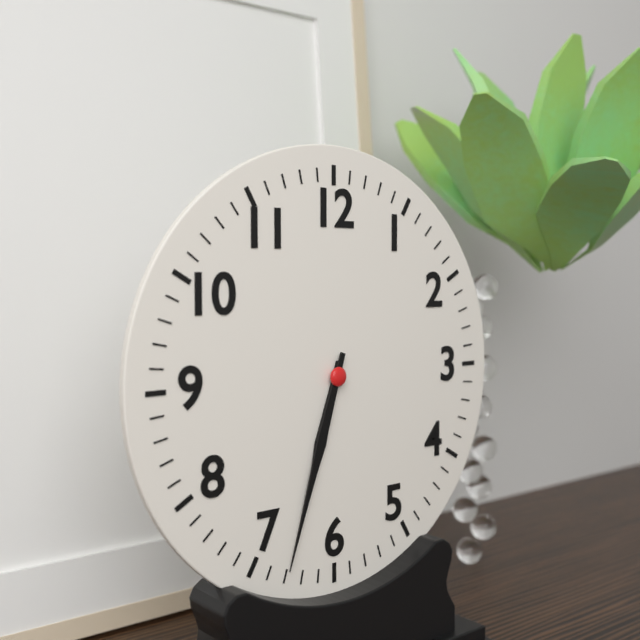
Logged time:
h=6 m=33
